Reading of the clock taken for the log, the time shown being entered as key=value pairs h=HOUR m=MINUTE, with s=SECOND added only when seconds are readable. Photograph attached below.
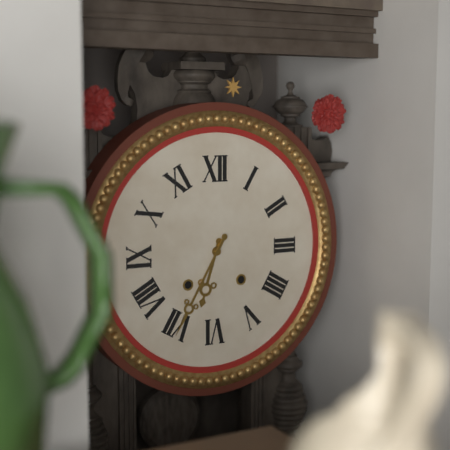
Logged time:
h=6 m=35
